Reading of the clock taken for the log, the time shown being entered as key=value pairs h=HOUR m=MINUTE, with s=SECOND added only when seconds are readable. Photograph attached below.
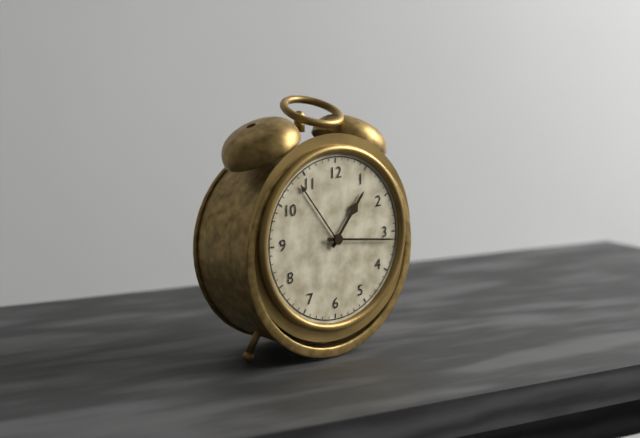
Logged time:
h=1 m=16
